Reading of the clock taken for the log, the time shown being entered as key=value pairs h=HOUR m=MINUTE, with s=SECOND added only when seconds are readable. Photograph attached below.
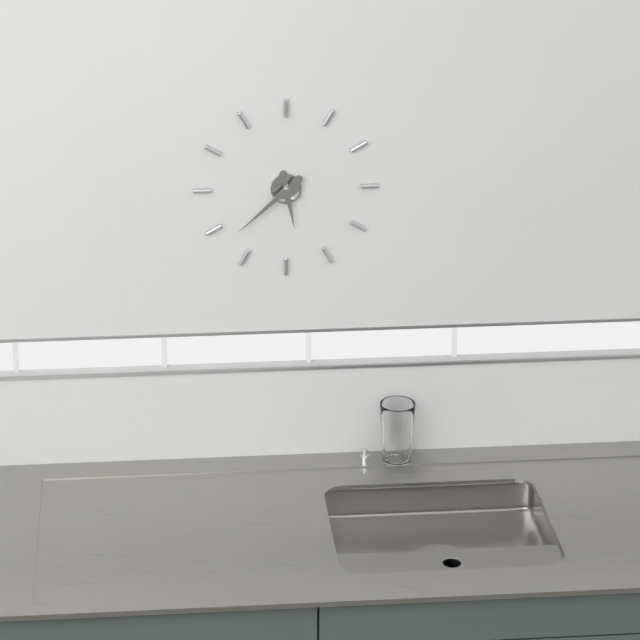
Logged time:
h=5 m=38
